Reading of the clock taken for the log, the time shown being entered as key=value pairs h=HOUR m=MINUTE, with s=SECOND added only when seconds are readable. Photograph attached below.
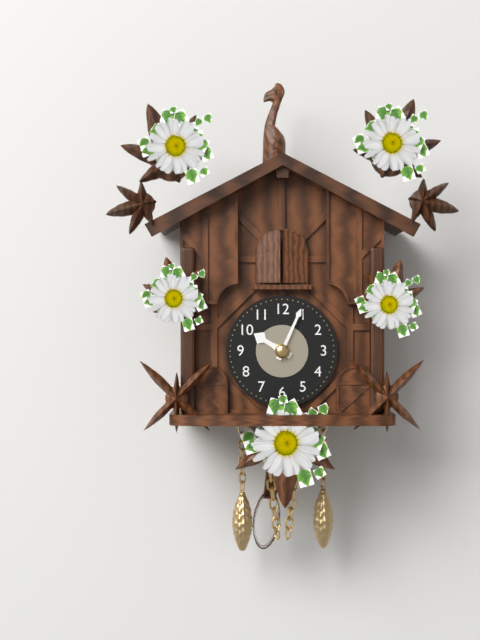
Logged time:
h=10 m=4
